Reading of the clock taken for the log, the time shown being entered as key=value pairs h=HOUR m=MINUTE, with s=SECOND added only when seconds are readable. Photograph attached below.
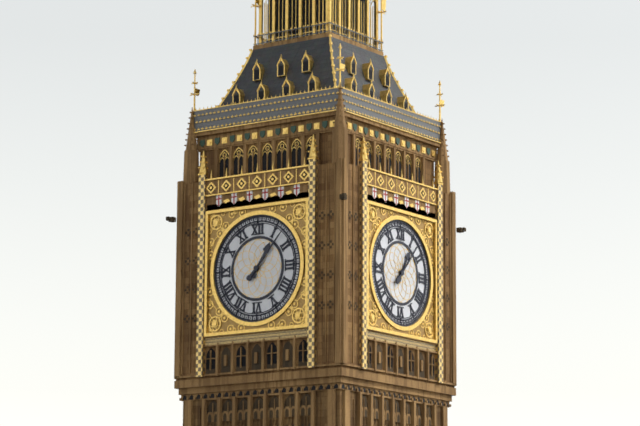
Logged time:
h=1 m=7
